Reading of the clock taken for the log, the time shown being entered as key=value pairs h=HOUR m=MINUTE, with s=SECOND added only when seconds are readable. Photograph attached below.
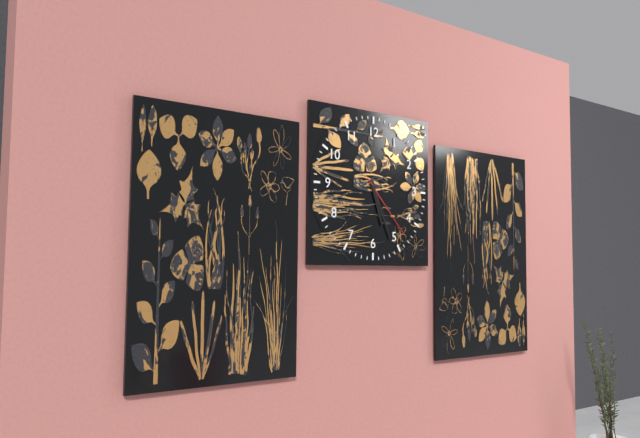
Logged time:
h=5 m=26 s=23
